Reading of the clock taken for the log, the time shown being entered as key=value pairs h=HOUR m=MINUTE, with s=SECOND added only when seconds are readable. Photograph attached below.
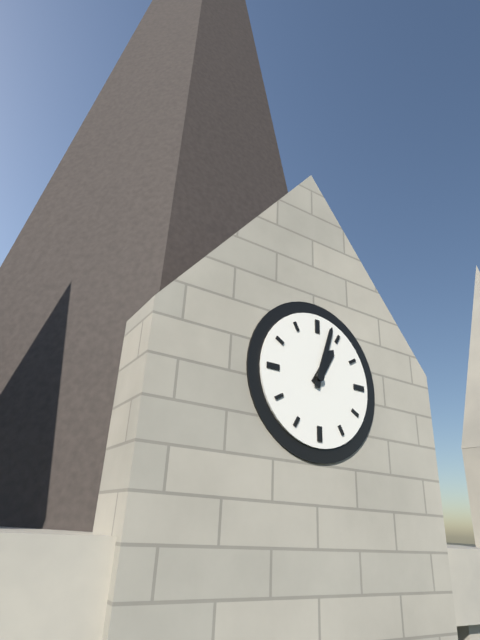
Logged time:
h=1 m=3
